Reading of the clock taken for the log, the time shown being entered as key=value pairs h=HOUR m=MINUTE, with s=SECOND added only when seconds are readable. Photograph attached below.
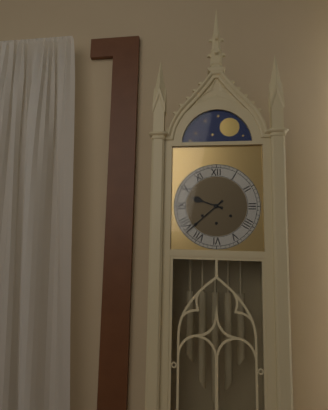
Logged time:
h=9 m=38
